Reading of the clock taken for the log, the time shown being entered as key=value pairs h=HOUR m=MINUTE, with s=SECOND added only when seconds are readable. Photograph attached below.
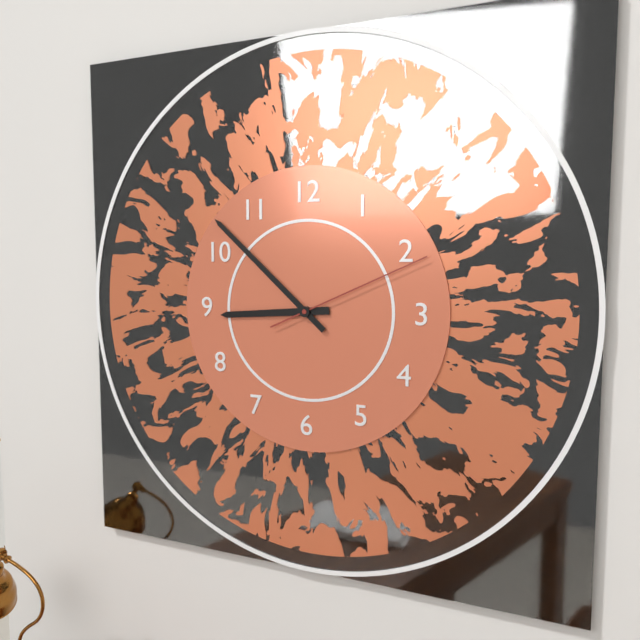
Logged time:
h=8 m=52 s=11
